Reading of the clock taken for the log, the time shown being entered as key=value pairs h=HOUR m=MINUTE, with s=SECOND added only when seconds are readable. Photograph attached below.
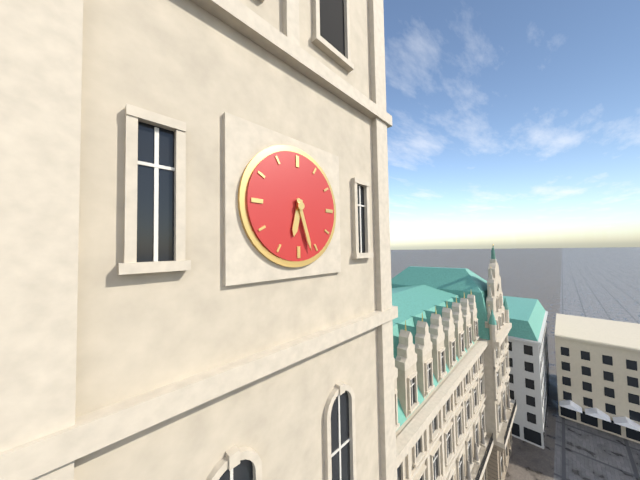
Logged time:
h=6 m=27
